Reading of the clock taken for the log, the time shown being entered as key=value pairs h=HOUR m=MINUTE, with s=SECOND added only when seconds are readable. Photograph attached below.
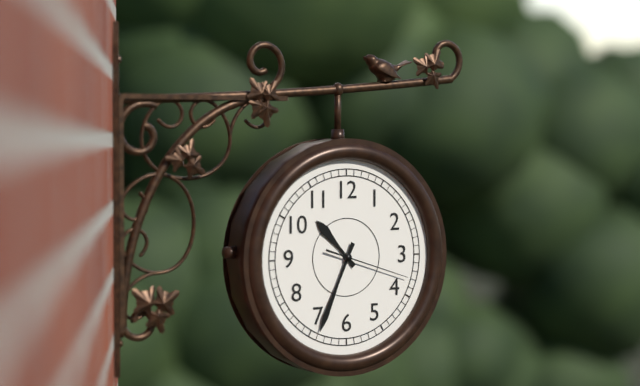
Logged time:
h=10 m=34 s=18
